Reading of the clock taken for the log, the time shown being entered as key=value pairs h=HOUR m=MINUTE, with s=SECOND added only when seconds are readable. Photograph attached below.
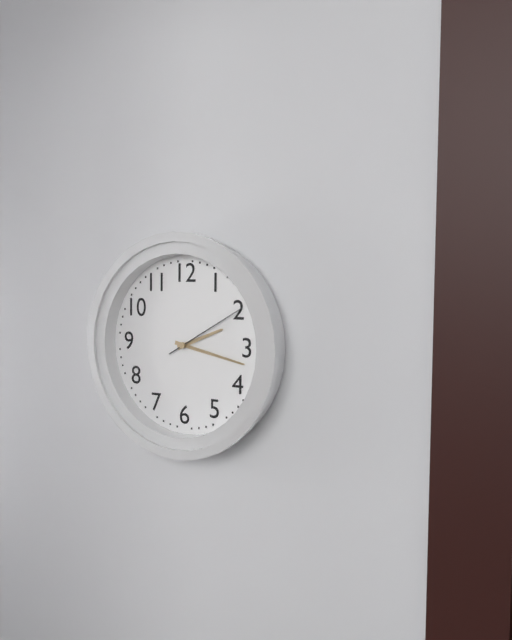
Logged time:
h=2 m=17 s=10
